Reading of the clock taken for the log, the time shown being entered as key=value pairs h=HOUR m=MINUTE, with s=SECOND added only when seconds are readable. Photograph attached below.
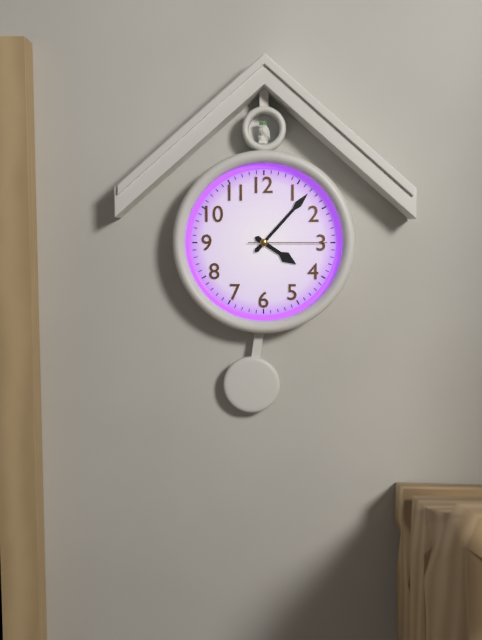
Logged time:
h=4 m=7 s=15
